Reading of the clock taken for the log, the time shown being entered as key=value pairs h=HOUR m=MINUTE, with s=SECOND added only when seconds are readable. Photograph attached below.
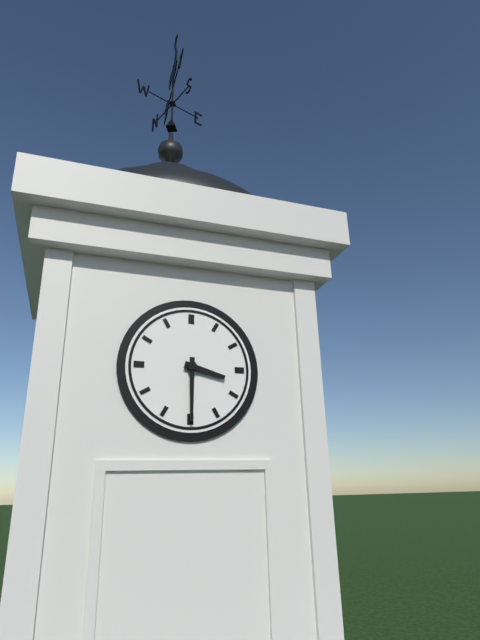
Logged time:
h=3 m=30
